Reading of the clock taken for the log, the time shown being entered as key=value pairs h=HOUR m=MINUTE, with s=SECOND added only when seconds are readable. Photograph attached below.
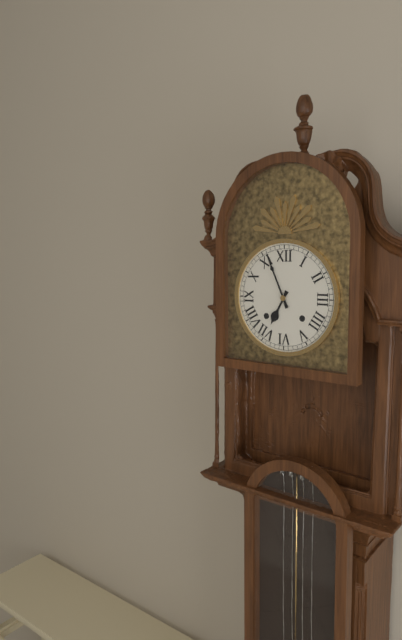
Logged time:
h=6 m=56
